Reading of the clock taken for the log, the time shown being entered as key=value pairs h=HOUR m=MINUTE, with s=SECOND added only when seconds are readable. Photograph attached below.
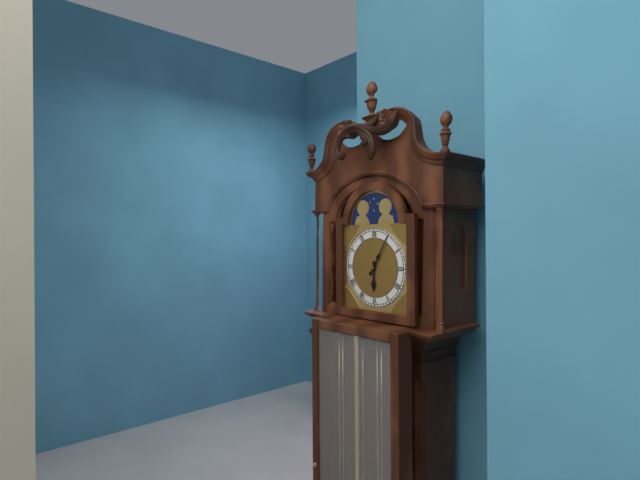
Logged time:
h=6 m=5
